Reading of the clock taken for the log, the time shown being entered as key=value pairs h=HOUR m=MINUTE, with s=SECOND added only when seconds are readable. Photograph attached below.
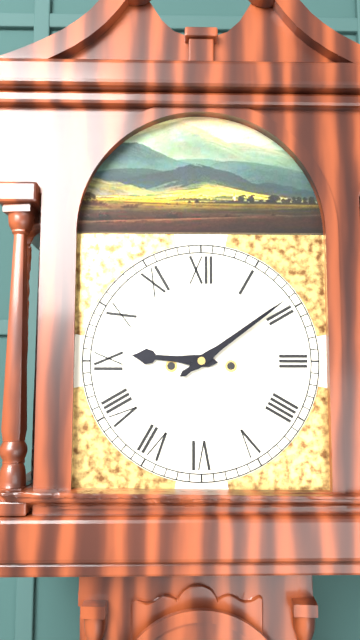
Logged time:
h=9 m=9
